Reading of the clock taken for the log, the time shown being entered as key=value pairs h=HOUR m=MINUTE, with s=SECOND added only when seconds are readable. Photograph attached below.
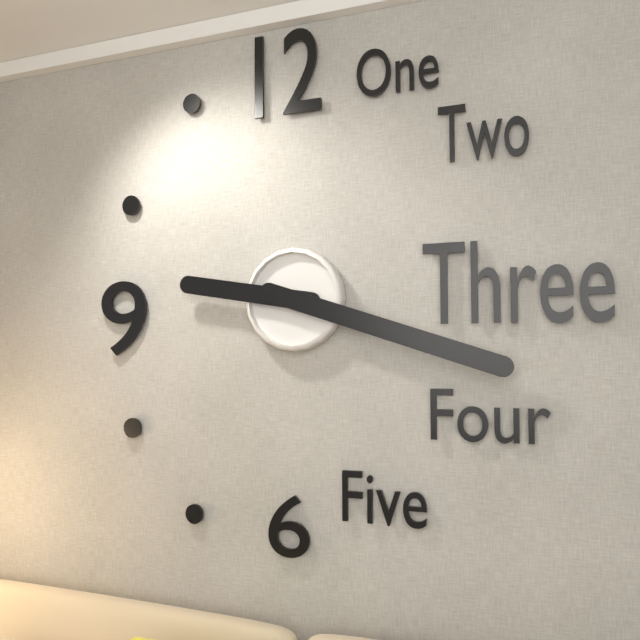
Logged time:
h=9 m=18
